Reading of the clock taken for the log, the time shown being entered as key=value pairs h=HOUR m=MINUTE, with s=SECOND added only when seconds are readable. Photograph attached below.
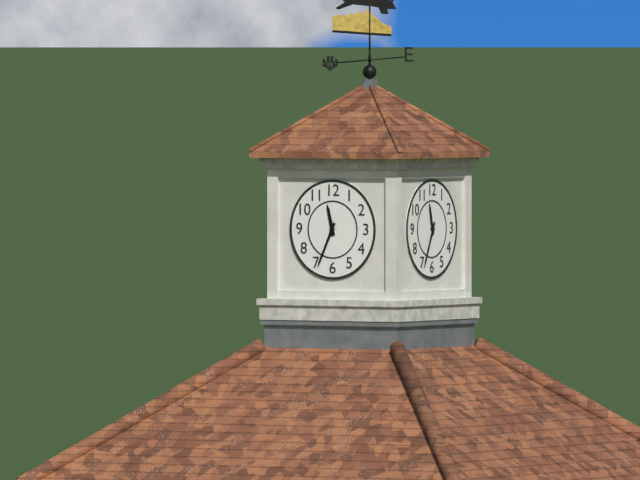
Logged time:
h=11 m=34
